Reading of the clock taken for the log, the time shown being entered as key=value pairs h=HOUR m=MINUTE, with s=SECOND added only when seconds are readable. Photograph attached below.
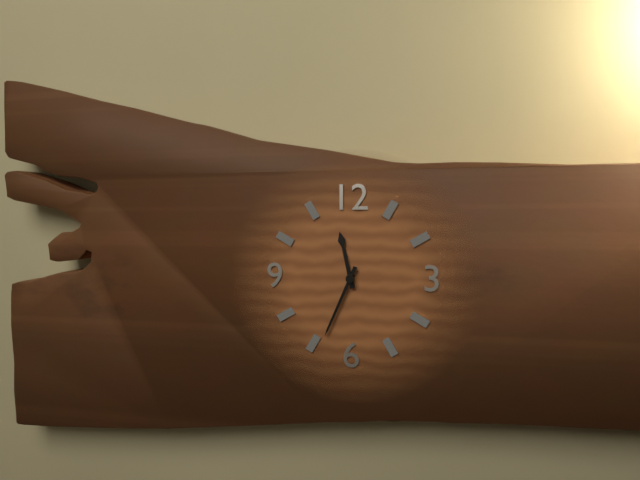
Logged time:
h=11 m=34
